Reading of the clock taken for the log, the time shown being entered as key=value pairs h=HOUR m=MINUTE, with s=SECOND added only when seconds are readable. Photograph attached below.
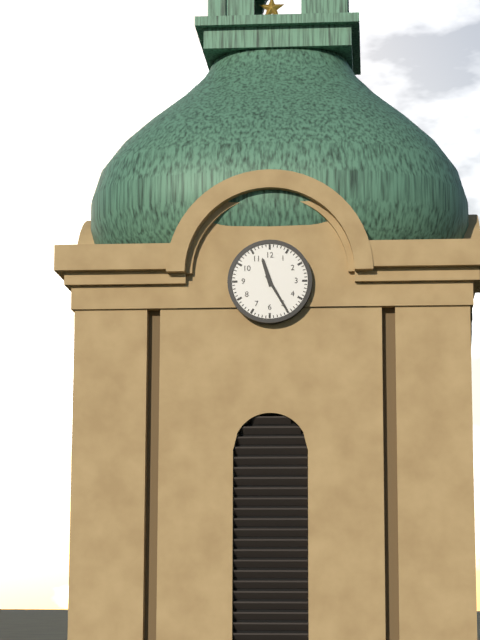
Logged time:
h=11 m=25
